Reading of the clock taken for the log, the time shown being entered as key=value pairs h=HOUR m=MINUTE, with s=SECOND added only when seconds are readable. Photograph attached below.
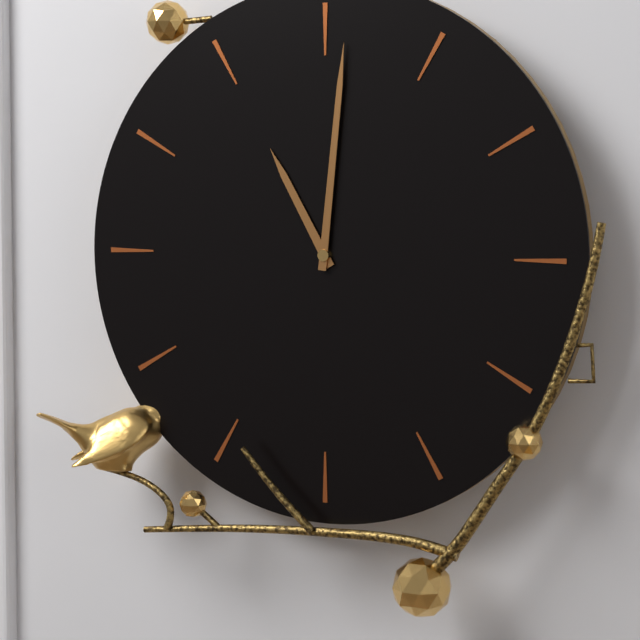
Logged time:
h=11 m=1
